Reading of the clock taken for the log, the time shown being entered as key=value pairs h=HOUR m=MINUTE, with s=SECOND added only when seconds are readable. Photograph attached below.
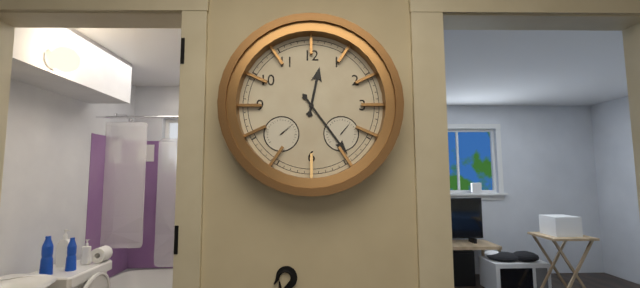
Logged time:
h=12 m=24
